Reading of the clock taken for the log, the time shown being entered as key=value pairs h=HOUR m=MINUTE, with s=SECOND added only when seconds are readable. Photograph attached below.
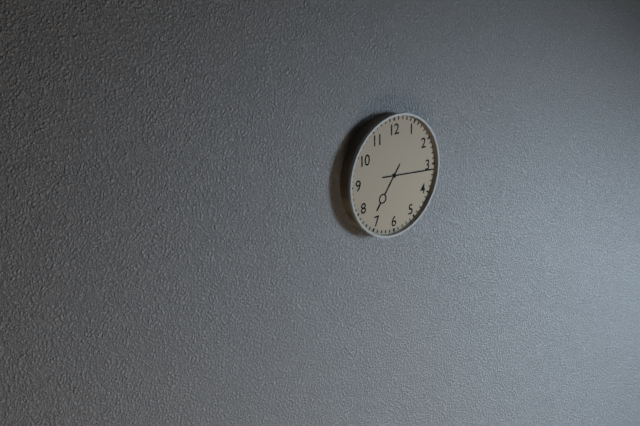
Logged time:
h=7 m=16
